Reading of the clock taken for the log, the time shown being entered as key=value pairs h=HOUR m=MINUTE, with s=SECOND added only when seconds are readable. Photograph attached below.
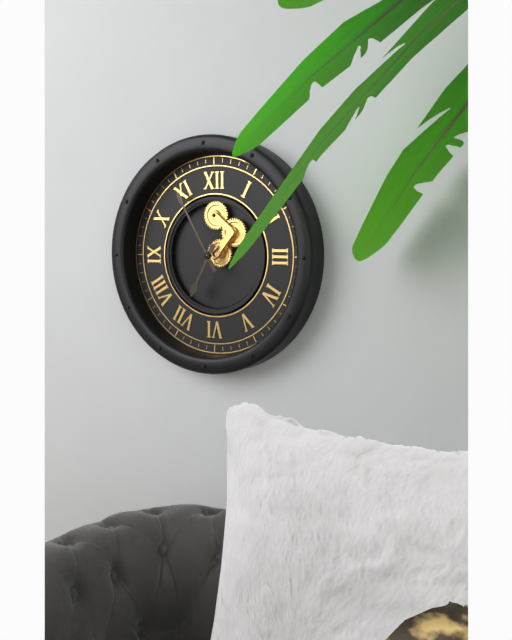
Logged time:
h=6 m=55
